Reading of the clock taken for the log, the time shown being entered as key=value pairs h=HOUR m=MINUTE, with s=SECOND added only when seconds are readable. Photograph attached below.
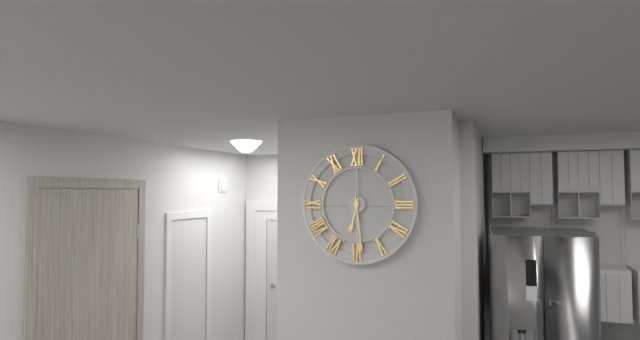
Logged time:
h=6 m=29
